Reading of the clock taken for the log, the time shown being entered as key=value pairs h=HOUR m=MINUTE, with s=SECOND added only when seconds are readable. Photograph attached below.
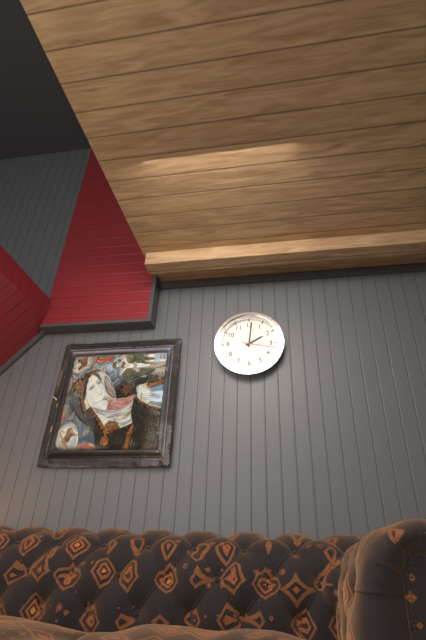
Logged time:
h=2 m=1
